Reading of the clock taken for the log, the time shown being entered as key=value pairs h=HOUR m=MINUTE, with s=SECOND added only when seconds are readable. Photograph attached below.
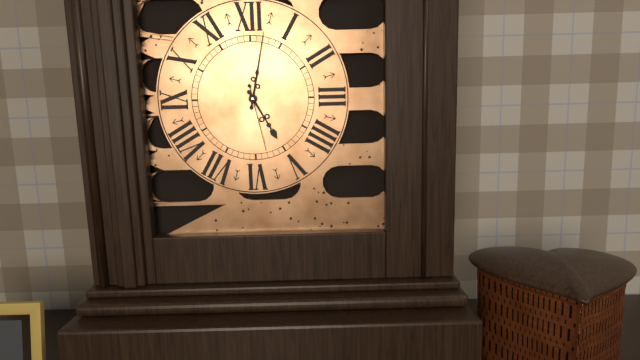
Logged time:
h=5 m=2 s=28
